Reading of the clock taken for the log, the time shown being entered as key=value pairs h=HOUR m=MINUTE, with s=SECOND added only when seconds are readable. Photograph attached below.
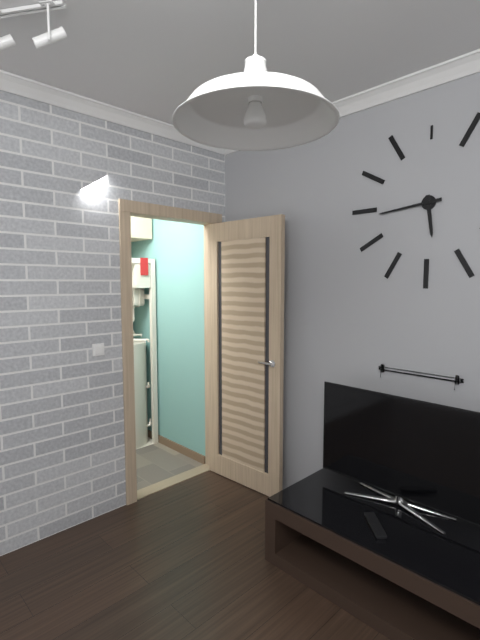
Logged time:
h=5 m=44
